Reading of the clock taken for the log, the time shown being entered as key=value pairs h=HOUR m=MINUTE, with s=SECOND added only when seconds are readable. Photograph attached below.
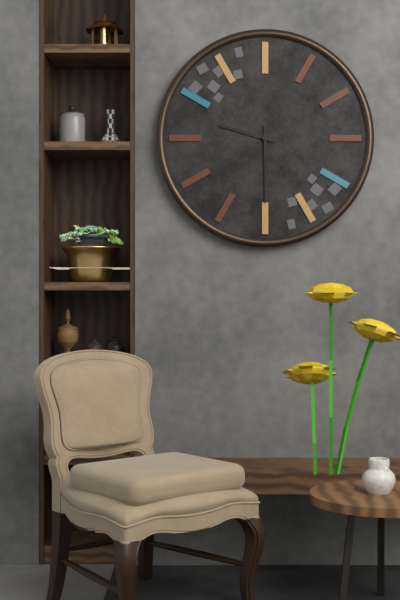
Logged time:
h=9 m=30
